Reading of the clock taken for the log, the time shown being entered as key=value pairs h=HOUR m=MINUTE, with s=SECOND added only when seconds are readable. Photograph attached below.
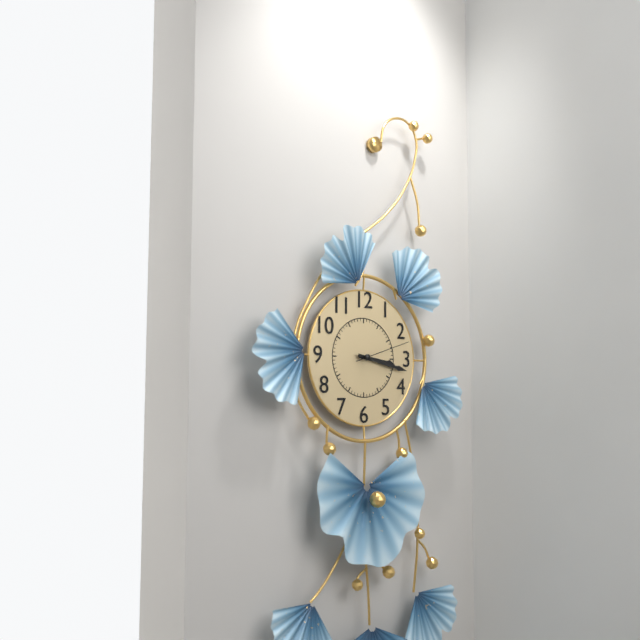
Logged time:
h=3 m=17 s=12
